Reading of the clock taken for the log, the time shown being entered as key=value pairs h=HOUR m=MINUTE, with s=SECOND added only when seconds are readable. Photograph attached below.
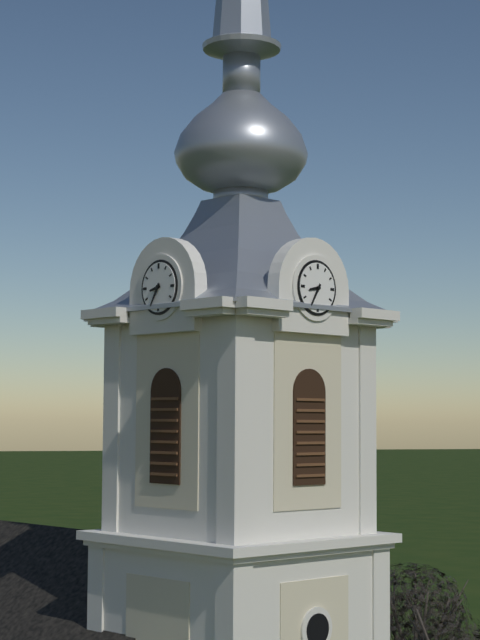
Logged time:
h=8 m=35
